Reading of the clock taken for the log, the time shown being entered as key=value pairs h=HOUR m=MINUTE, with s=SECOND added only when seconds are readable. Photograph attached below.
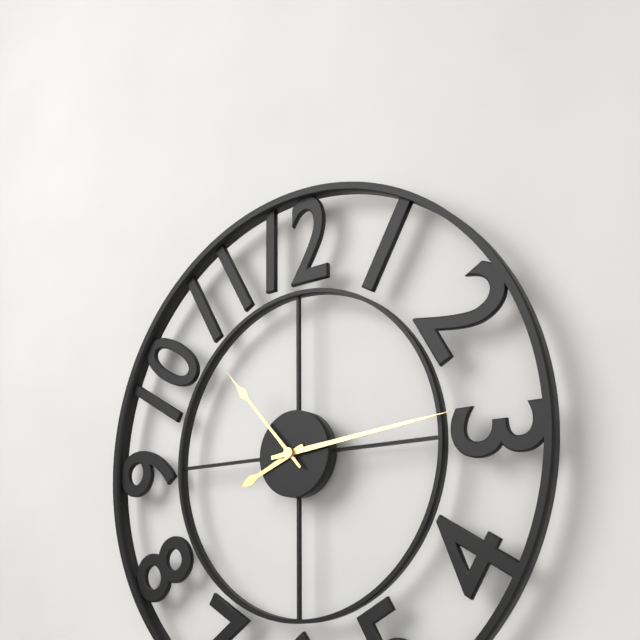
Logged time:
h=8 m=14 s=53
